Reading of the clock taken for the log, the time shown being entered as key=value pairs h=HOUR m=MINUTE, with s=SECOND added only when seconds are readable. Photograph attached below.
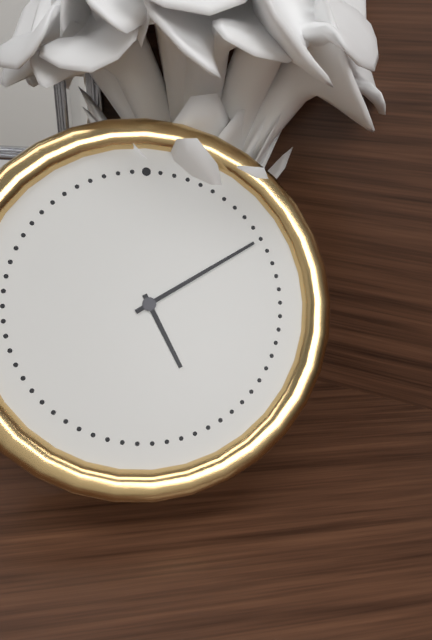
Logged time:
h=5 m=10
